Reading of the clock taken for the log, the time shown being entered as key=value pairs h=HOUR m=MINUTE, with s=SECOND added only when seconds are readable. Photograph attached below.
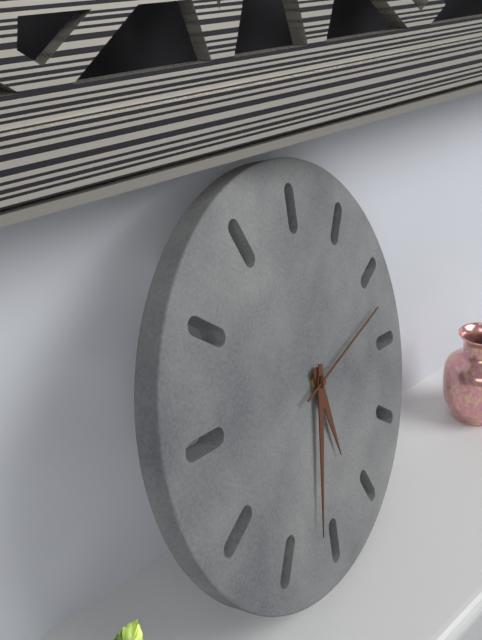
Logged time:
h=4 m=27 s=7
